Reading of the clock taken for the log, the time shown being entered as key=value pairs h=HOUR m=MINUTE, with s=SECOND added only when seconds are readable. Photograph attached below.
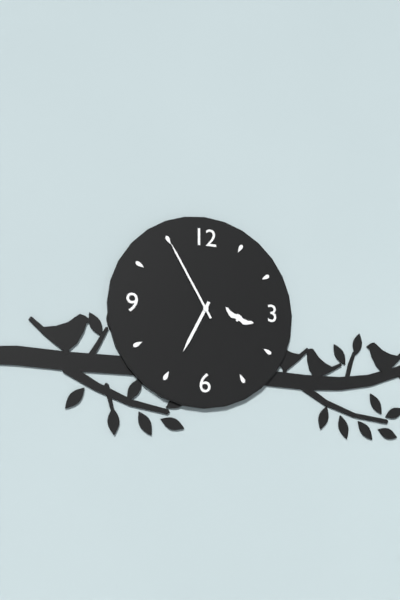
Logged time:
h=6 m=55
